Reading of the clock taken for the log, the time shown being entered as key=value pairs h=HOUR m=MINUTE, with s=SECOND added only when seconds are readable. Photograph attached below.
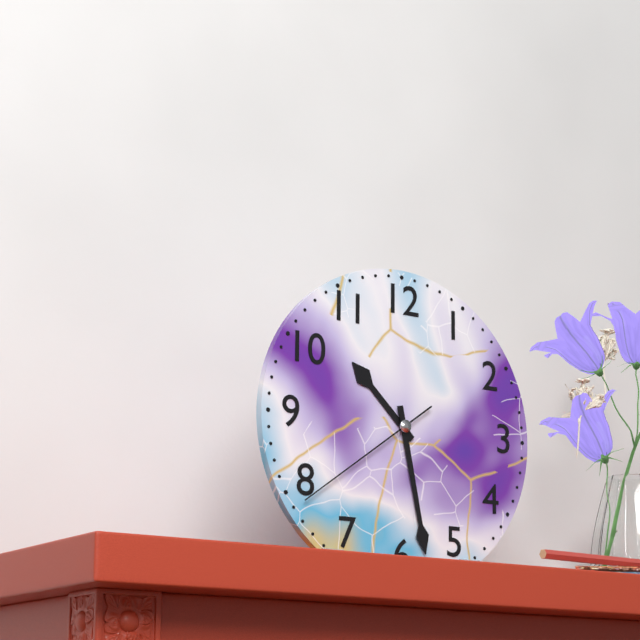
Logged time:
h=10 m=28 s=39
